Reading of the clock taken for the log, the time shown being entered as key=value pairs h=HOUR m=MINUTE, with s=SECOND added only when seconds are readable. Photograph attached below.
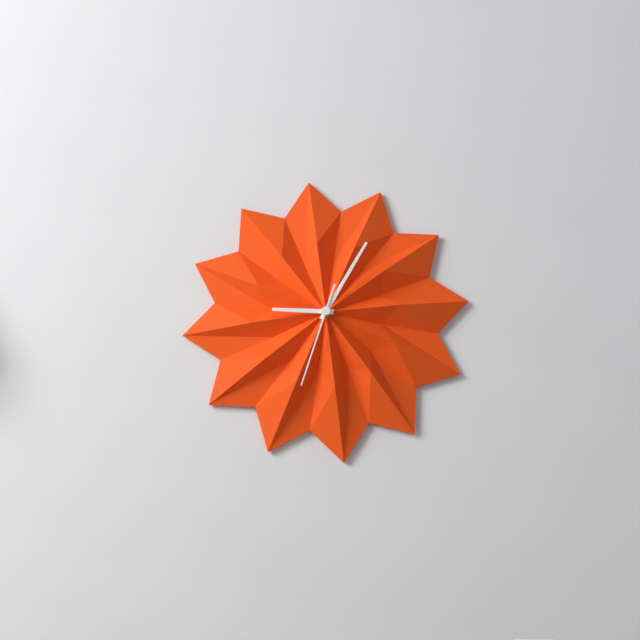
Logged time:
h=9 m=5 s=33
